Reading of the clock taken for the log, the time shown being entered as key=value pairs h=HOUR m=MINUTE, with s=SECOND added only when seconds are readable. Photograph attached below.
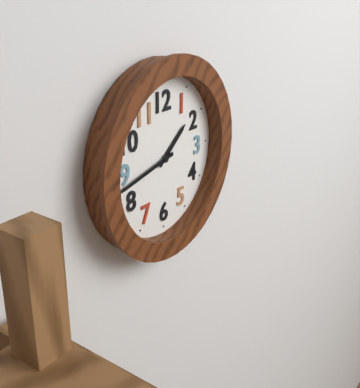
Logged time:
h=1 m=43
